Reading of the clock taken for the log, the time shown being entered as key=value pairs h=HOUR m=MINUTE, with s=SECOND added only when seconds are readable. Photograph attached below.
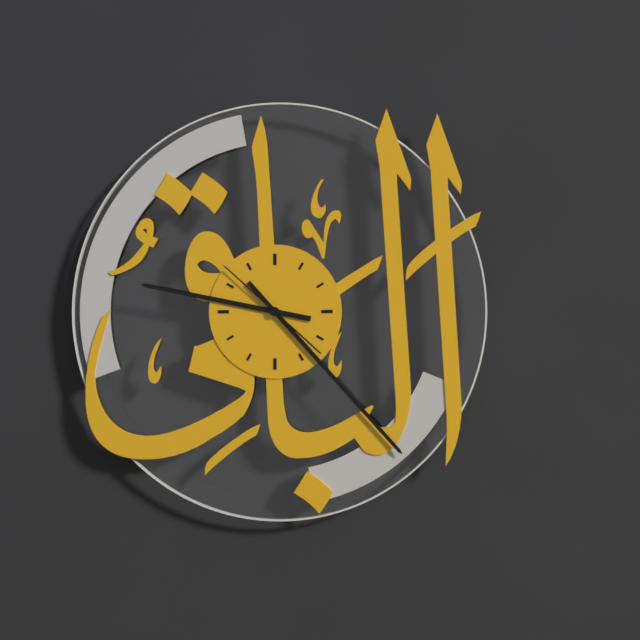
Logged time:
h=9 m=23 s=52
